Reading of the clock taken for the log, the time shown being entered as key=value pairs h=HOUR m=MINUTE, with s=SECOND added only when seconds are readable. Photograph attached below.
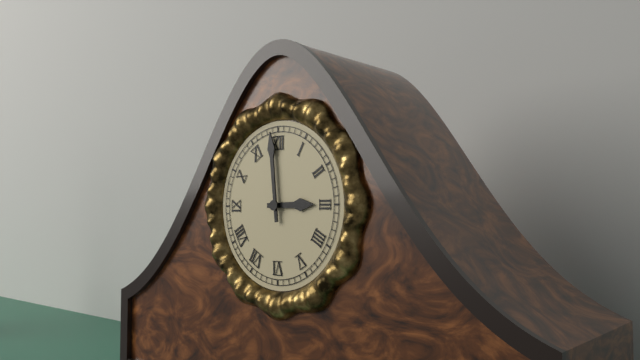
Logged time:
h=2 m=59
